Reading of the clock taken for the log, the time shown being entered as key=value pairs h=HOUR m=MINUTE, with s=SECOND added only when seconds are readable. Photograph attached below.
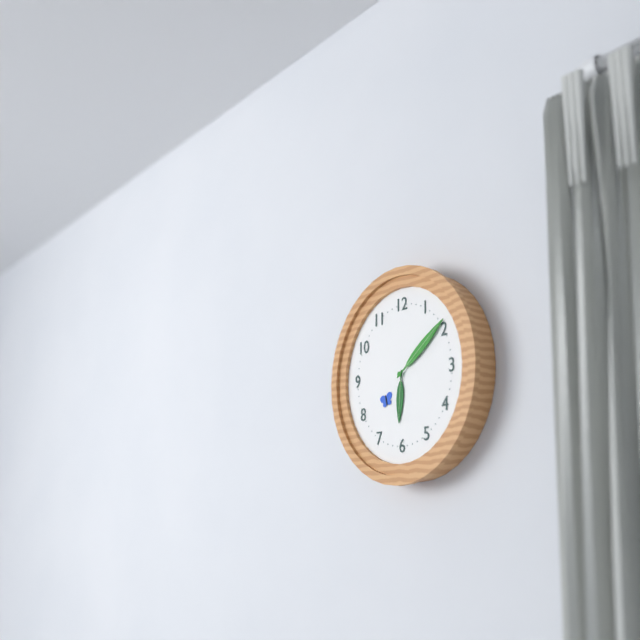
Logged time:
h=6 m=9
